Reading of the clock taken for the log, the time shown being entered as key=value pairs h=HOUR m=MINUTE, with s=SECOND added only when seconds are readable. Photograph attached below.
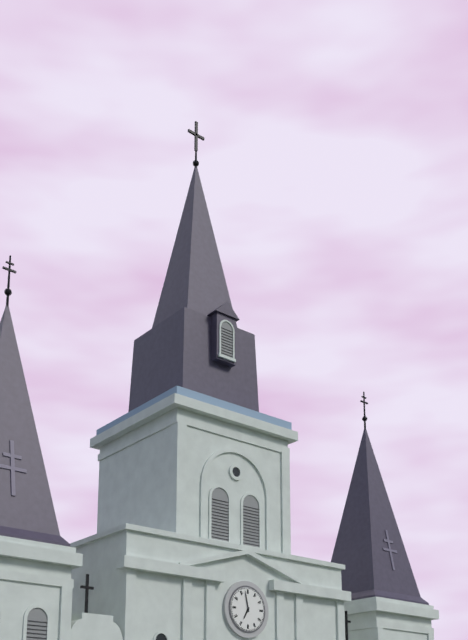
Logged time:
h=6 m=58
